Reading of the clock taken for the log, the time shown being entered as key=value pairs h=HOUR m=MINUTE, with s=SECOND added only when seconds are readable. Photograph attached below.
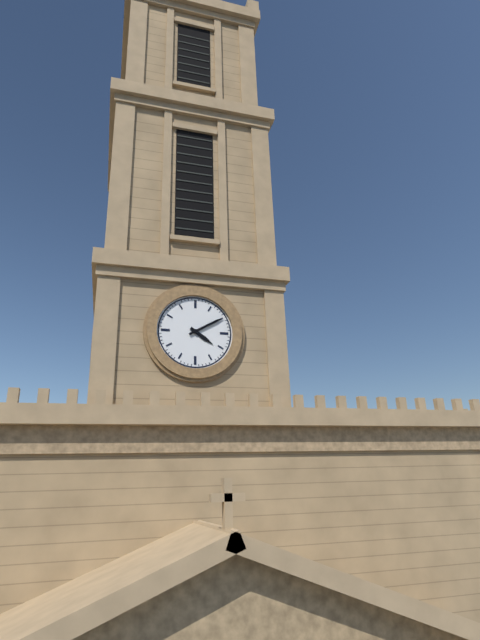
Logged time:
h=4 m=10
